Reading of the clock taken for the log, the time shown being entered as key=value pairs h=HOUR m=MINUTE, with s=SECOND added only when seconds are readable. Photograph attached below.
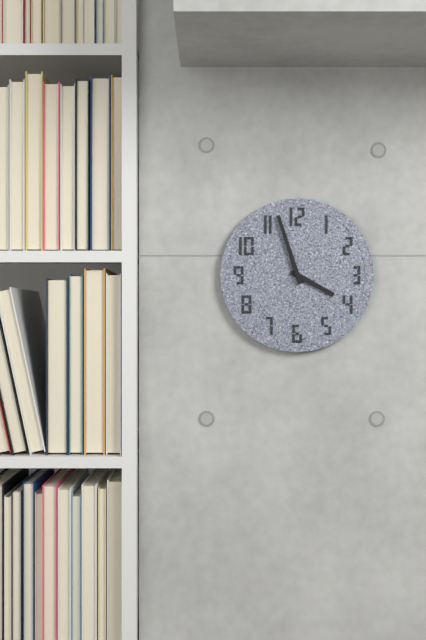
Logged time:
h=3 m=57
